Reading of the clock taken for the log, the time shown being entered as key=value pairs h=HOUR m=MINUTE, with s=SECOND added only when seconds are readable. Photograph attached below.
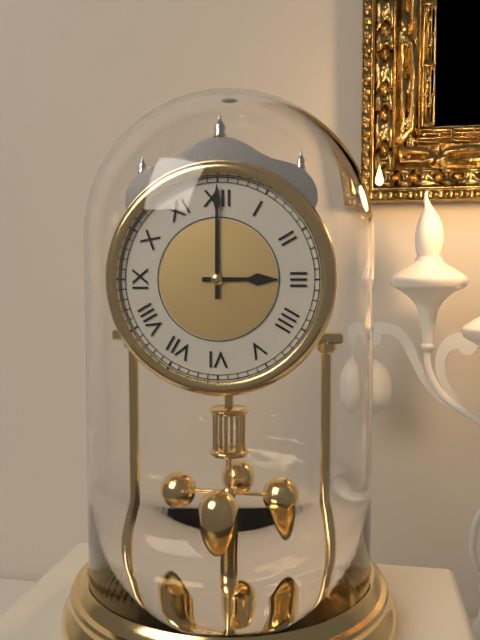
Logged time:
h=3 m=0
